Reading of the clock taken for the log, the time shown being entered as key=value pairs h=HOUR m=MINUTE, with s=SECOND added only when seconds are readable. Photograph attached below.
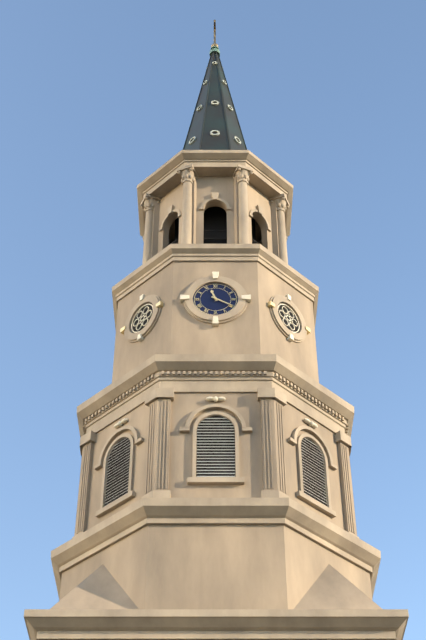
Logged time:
h=11 m=20
